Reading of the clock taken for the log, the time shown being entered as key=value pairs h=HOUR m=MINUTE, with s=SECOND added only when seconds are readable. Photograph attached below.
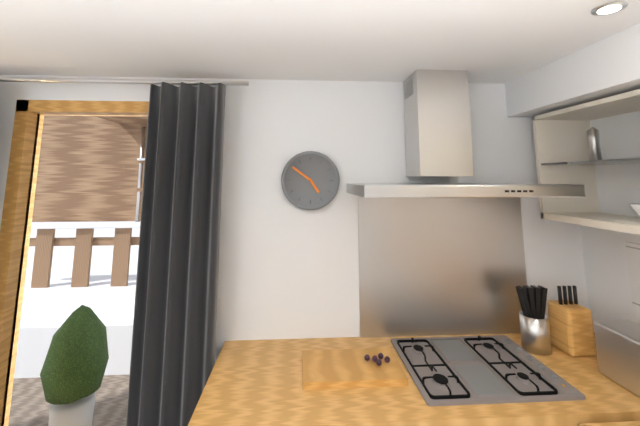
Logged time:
h=4 m=51
